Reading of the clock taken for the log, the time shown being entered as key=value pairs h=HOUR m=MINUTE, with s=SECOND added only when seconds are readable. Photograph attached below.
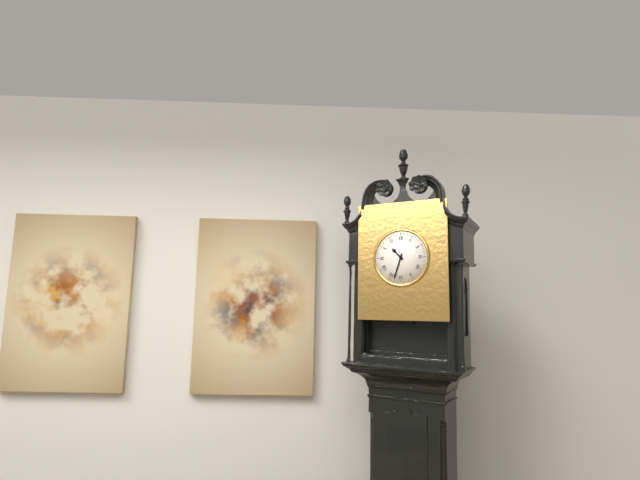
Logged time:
h=10 m=33
